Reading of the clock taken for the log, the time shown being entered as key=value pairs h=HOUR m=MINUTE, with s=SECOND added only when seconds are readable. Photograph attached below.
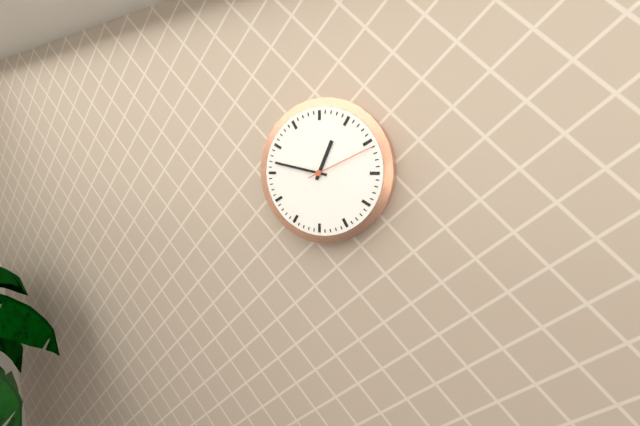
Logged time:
h=12 m=47 s=11
